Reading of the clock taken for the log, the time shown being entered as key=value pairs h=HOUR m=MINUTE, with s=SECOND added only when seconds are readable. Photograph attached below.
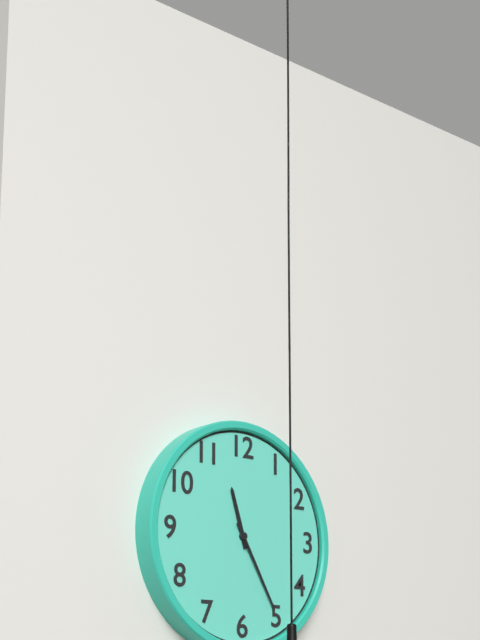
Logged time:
h=11 m=25
